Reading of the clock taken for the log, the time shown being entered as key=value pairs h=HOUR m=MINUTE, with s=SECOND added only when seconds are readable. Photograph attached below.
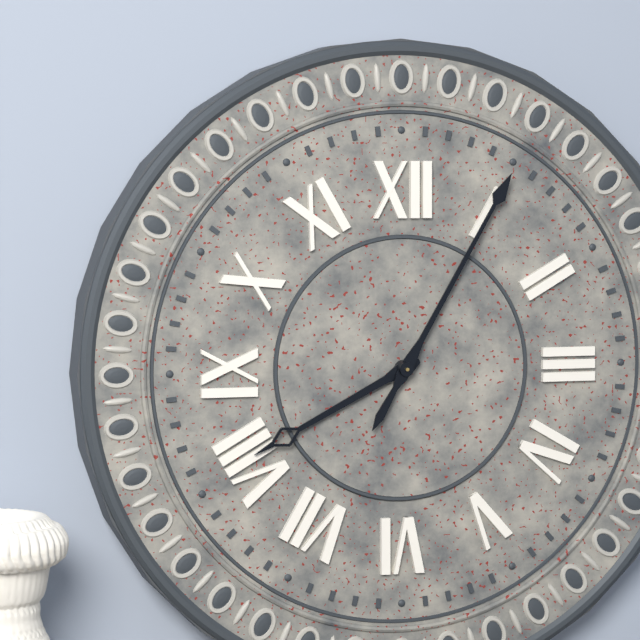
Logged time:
h=8 m=5
